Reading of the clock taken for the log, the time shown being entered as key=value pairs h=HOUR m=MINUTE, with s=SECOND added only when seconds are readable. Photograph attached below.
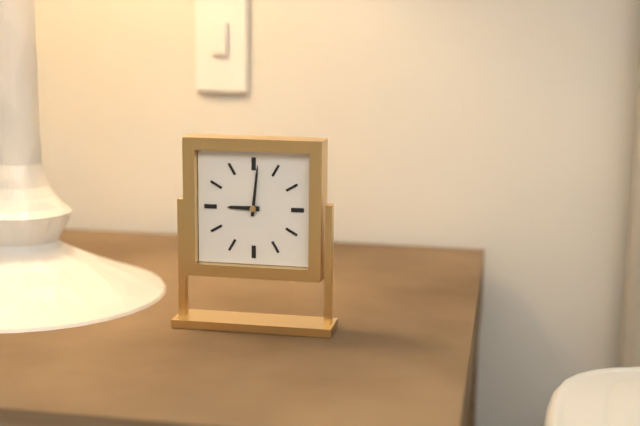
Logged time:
h=9 m=1
